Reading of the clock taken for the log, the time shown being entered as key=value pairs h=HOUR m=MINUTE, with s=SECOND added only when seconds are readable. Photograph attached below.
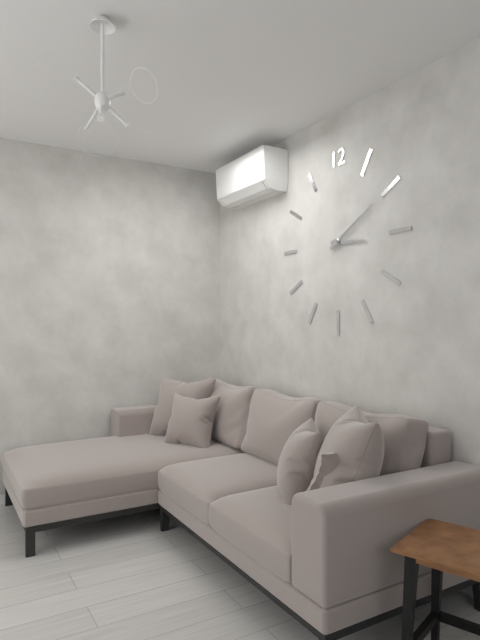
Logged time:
h=3 m=10
